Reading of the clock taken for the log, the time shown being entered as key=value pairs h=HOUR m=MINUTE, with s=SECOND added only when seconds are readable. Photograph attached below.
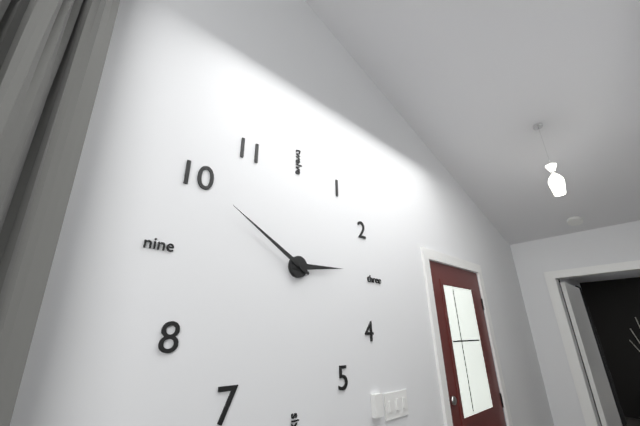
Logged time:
h=2 m=50
